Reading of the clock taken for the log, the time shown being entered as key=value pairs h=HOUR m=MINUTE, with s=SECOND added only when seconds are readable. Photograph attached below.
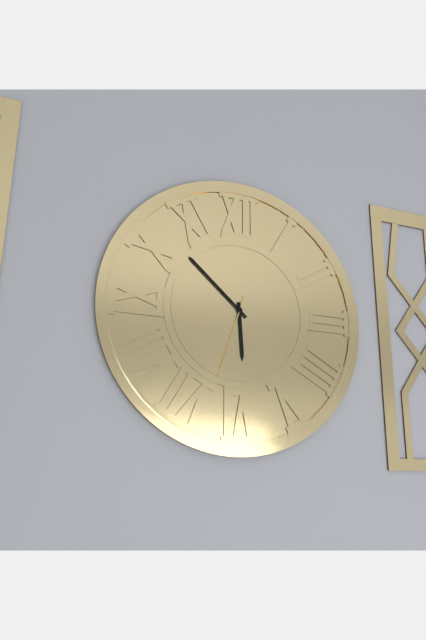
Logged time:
h=5 m=52 s=33
